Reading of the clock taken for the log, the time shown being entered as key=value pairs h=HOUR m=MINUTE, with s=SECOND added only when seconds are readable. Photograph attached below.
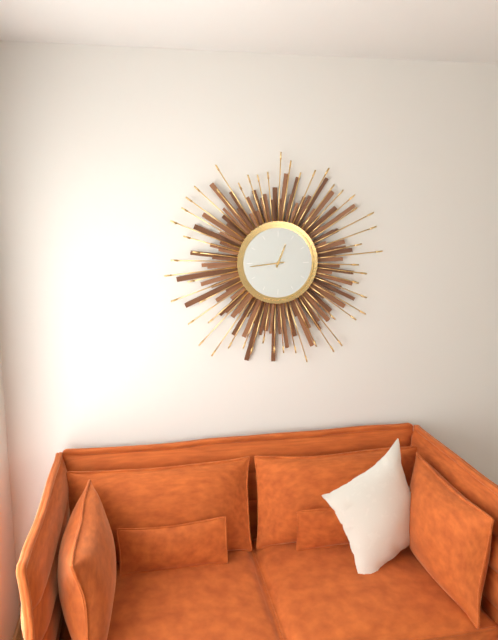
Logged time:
h=12 m=44
